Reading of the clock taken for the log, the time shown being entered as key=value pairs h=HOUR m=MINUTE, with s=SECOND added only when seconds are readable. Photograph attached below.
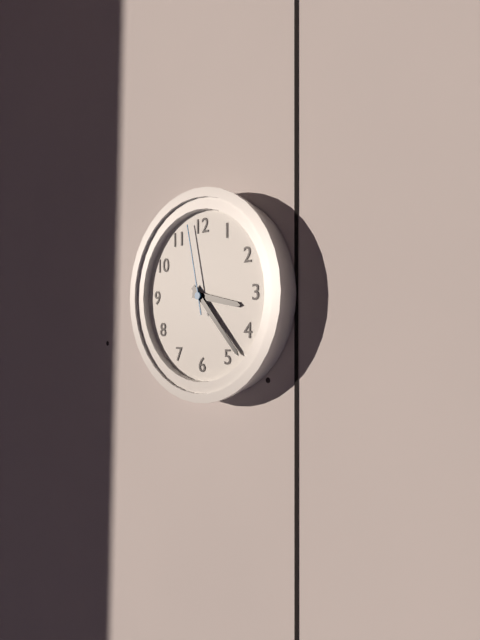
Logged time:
h=3 m=23 s=58
